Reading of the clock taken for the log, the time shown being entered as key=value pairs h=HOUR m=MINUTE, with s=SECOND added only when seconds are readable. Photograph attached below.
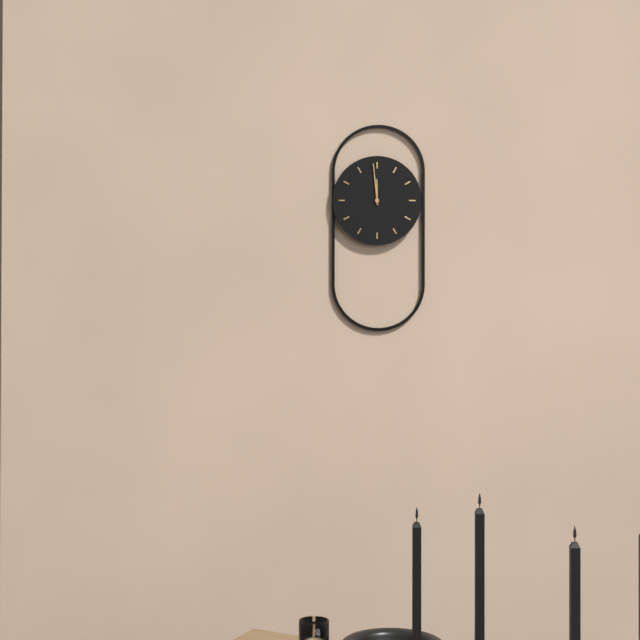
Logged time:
h=11 m=59
